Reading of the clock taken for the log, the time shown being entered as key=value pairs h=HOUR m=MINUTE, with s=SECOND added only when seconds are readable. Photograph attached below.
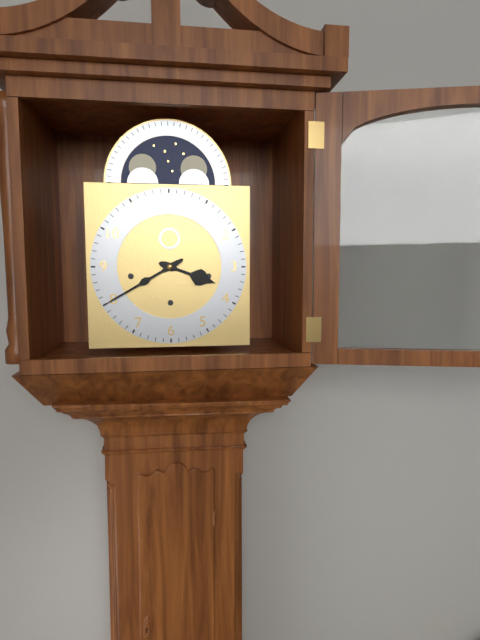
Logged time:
h=3 m=40
